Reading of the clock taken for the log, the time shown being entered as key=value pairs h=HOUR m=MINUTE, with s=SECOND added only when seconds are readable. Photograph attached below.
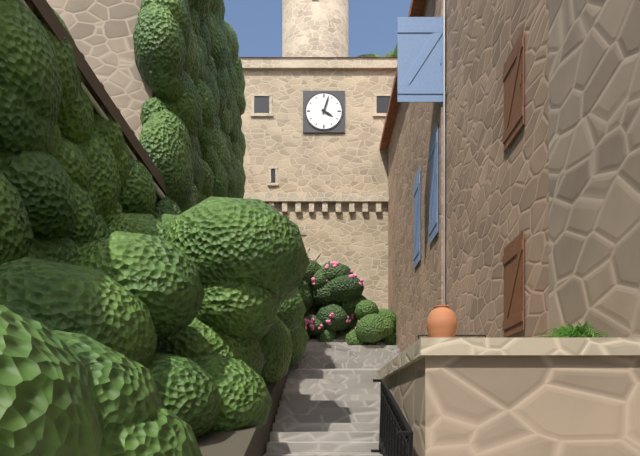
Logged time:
h=4 m=3
